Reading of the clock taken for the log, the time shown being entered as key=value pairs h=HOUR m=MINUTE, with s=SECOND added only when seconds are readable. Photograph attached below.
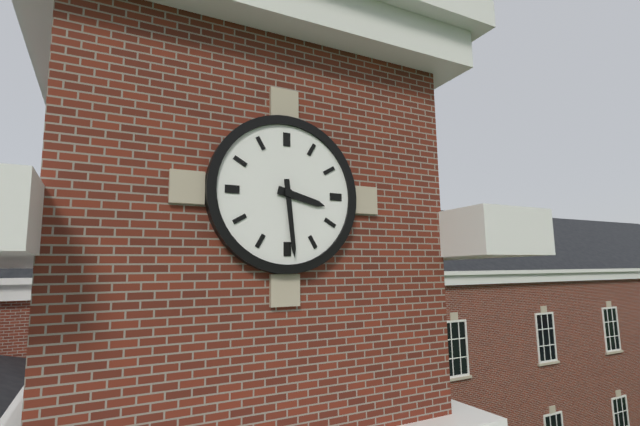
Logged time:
h=3 m=29
